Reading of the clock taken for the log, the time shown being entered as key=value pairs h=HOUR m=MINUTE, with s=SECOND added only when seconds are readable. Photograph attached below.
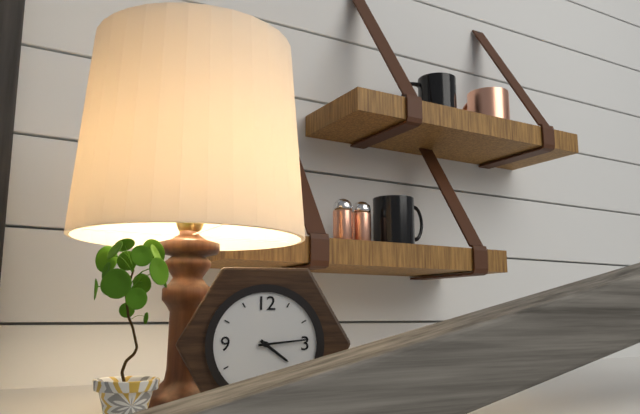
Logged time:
h=4 m=14
